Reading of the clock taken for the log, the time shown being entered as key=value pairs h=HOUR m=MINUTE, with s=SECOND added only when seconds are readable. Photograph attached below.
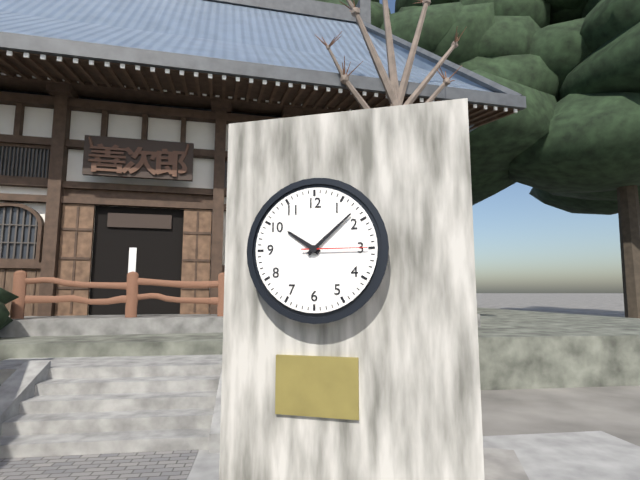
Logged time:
h=10 m=8 s=15
